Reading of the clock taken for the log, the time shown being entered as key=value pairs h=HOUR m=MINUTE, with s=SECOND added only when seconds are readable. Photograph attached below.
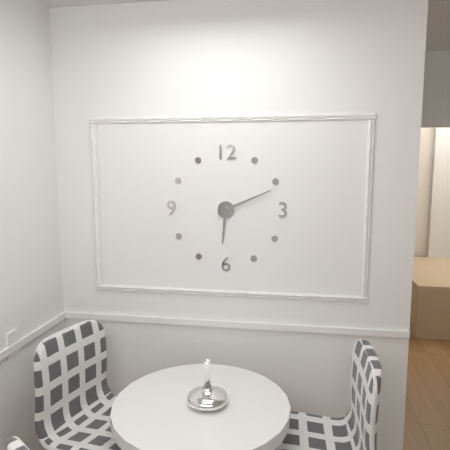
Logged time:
h=6 m=11
